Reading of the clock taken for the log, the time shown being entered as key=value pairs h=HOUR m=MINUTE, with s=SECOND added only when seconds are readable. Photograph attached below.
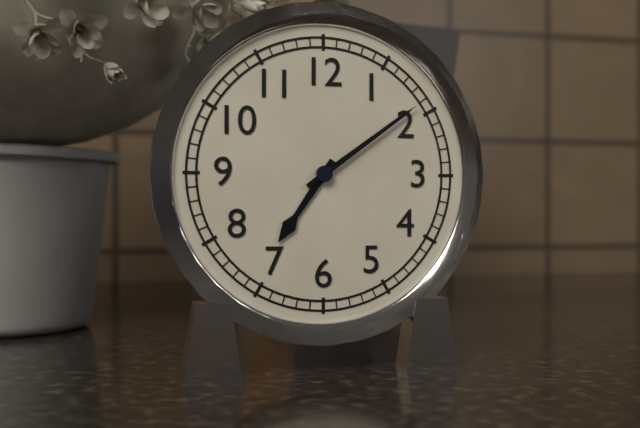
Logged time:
h=7 m=9
